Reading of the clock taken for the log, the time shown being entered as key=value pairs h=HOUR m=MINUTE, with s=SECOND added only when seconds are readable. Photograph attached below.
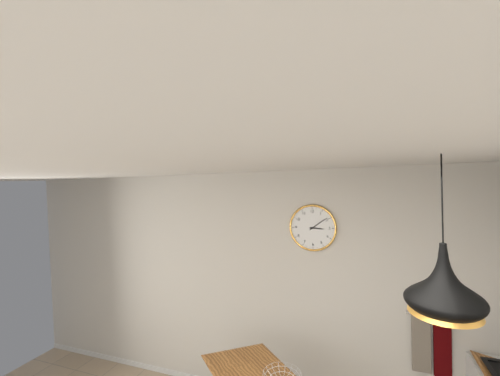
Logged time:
h=3 m=9
